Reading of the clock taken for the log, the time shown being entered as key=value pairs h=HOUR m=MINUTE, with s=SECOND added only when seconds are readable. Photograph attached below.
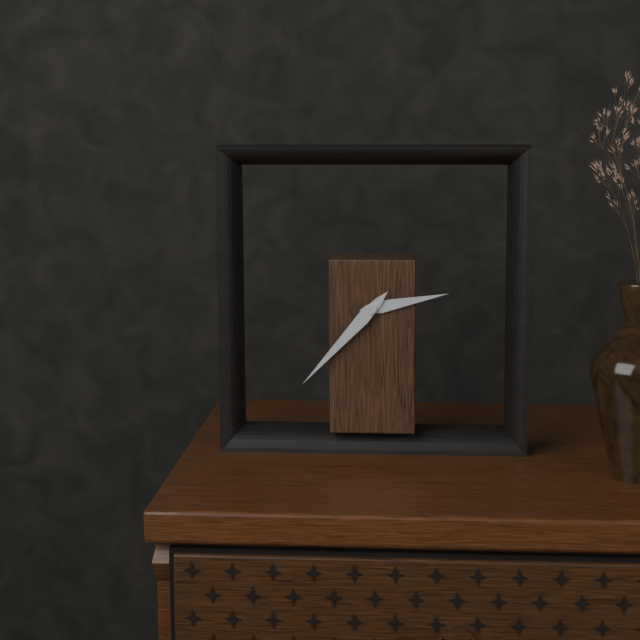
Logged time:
h=2 m=37
